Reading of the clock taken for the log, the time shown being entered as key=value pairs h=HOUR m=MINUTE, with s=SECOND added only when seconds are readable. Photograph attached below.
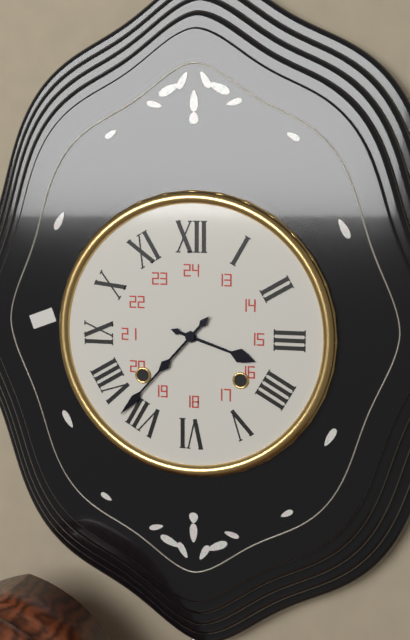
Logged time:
h=3 m=37
